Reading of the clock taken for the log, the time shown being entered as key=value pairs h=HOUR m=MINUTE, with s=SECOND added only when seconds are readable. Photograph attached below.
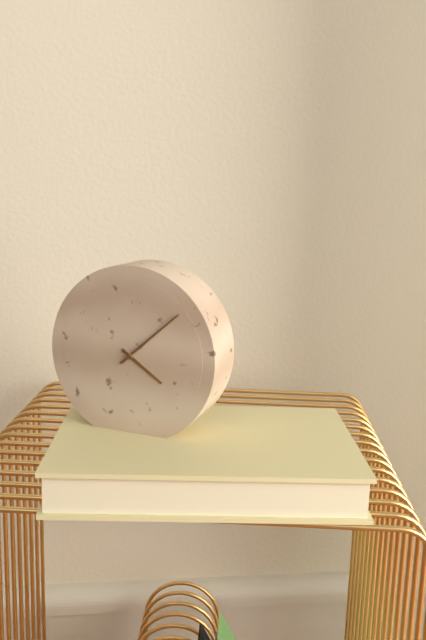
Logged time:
h=4 m=8
